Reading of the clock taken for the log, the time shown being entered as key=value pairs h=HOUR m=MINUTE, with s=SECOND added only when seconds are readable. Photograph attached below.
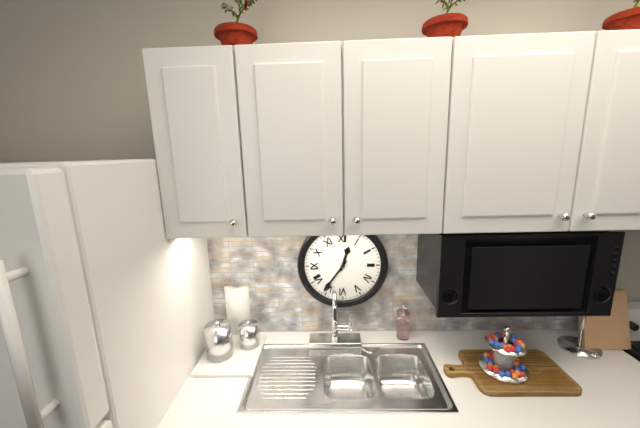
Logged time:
h=12 m=36
